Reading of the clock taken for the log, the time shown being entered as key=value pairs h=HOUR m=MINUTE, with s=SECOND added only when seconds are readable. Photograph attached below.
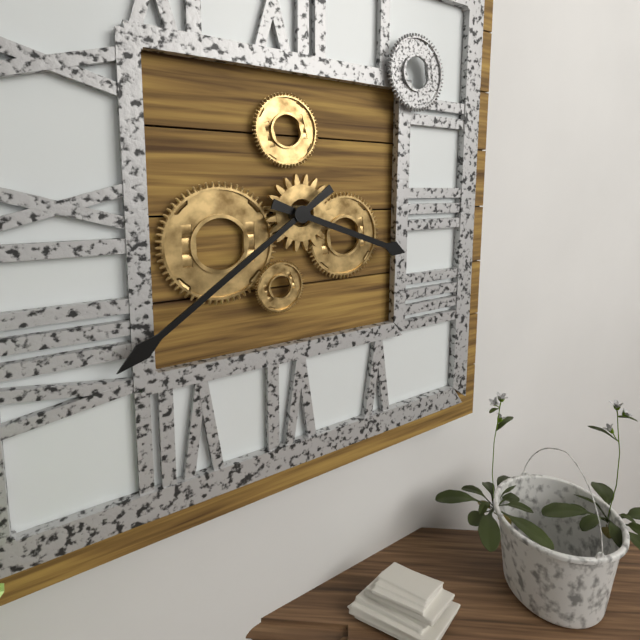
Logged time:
h=3 m=39
